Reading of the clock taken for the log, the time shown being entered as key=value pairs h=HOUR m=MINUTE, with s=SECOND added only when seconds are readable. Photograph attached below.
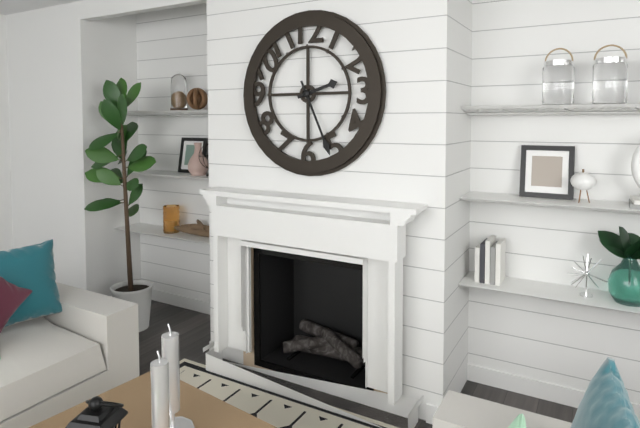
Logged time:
h=2 m=26
